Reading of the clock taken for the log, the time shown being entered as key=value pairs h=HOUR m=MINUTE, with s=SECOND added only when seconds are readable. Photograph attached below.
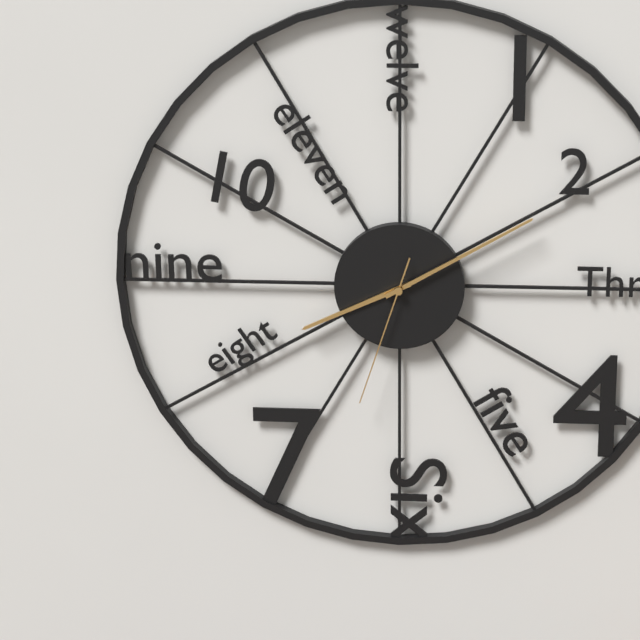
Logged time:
h=8 m=10 s=33
